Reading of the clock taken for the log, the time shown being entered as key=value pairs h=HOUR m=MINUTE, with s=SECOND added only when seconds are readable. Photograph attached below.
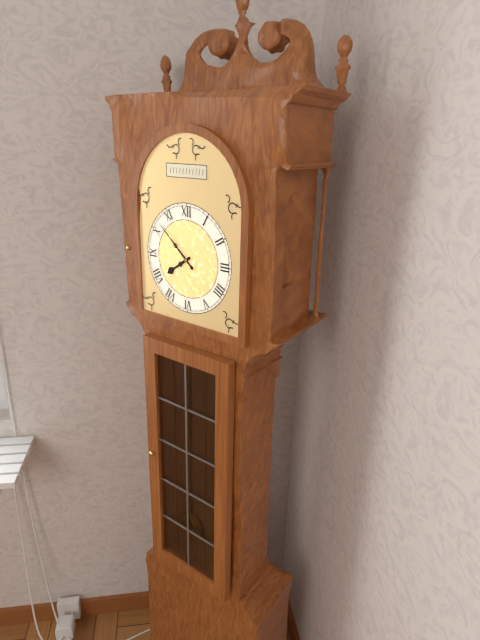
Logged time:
h=7 m=52
